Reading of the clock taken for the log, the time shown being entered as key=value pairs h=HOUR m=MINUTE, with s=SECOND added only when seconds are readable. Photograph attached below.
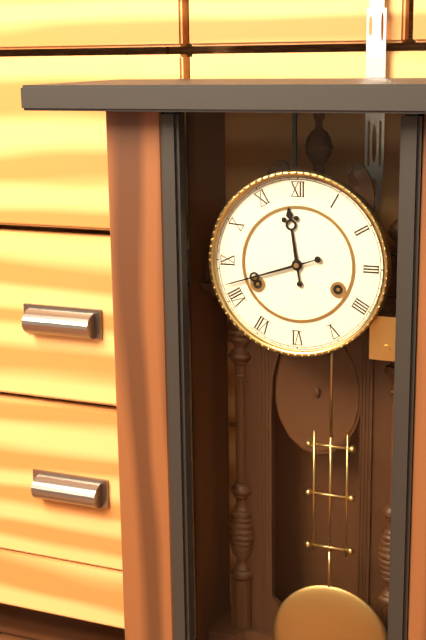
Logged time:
h=11 m=42
